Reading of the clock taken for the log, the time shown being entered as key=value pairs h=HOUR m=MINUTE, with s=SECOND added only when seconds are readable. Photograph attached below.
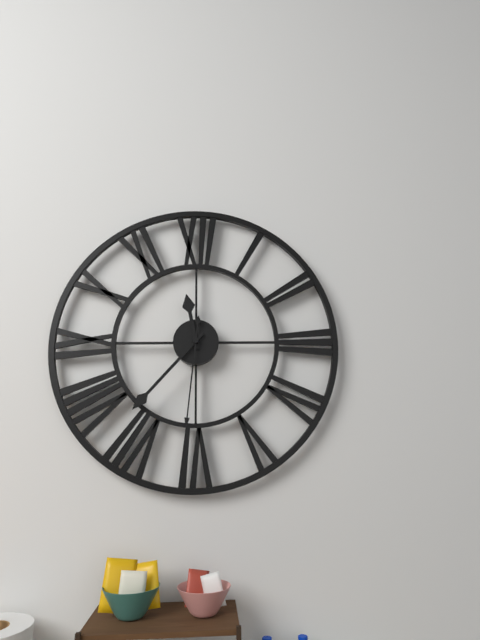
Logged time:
h=11 m=37 s=31
